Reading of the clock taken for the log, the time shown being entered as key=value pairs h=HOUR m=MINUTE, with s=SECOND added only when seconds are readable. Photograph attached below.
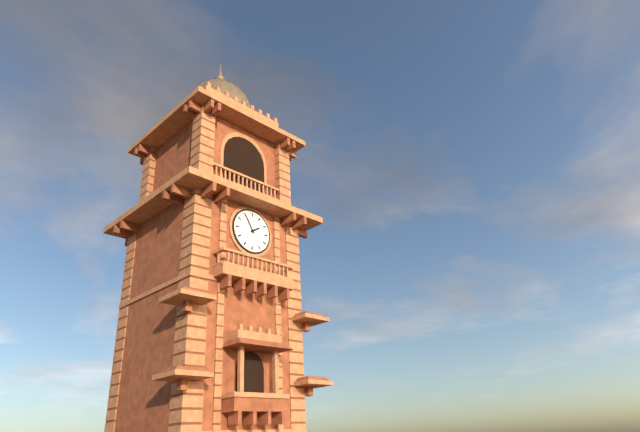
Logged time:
h=1 m=55
